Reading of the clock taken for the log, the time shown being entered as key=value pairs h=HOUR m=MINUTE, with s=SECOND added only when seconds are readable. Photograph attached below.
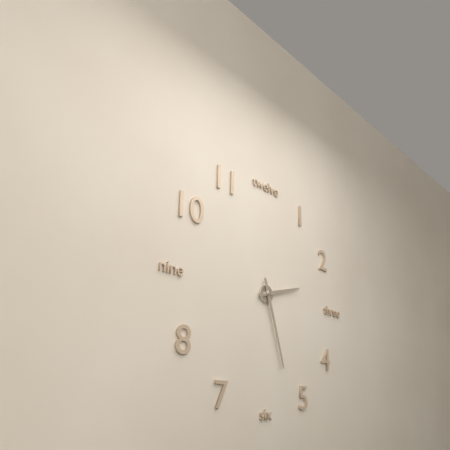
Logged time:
h=2 m=27
